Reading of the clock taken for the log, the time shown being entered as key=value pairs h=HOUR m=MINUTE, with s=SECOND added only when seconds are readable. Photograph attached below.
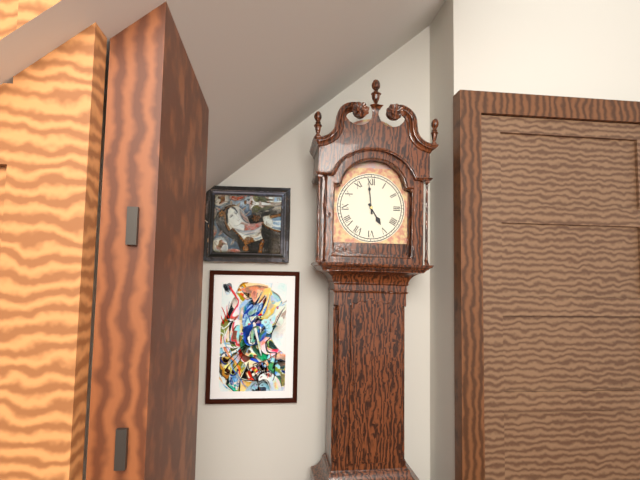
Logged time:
h=4 m=59
